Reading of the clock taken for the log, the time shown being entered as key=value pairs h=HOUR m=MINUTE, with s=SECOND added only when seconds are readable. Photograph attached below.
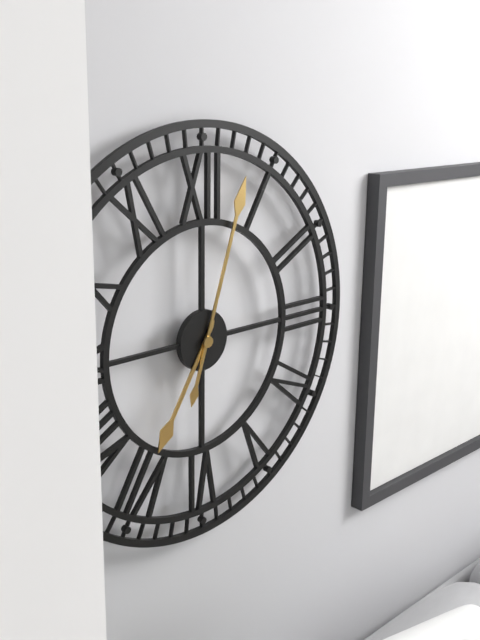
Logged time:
h=7 m=3
